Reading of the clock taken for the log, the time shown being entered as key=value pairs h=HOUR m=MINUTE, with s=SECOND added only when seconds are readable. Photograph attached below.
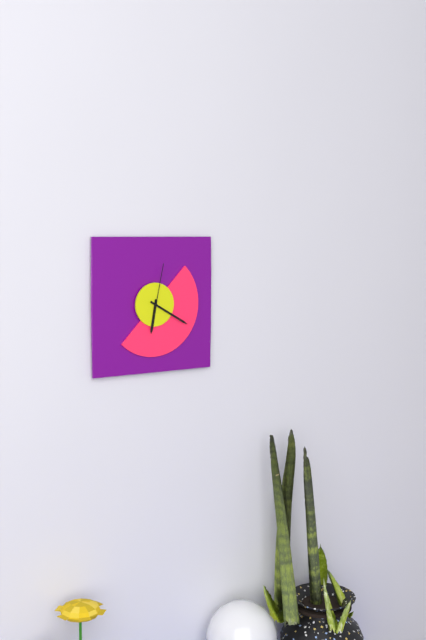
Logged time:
h=6 m=20 s=2
